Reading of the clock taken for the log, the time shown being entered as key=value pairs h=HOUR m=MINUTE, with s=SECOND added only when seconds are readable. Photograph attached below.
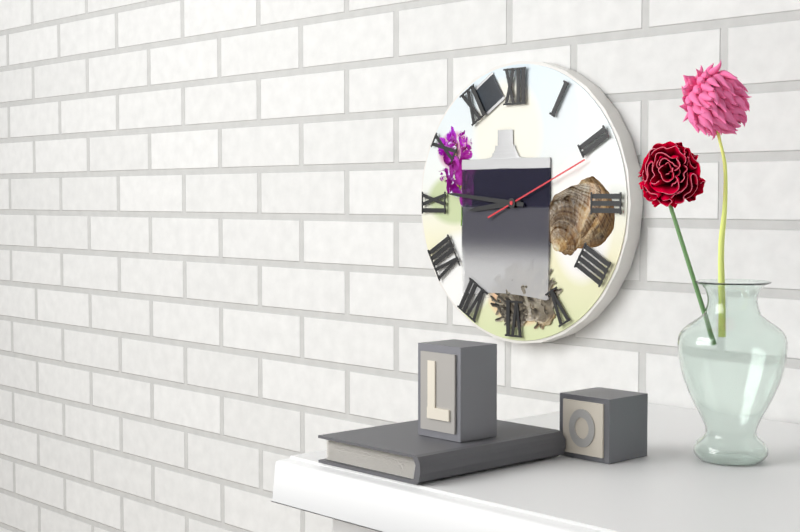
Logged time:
h=8 m=46 s=11
